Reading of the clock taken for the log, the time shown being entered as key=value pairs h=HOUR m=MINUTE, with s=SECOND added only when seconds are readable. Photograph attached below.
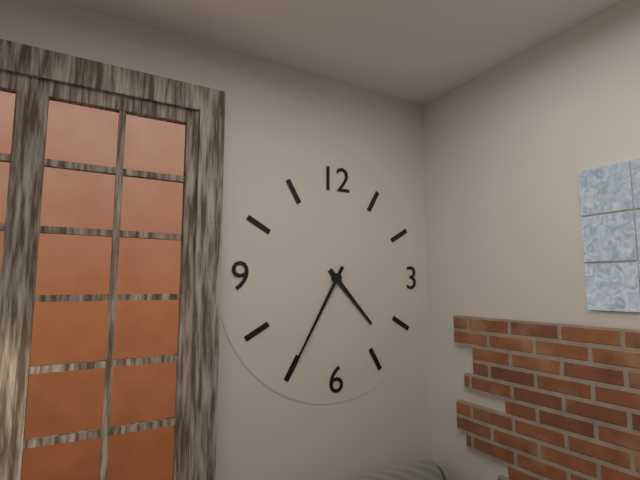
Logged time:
h=4 m=35
